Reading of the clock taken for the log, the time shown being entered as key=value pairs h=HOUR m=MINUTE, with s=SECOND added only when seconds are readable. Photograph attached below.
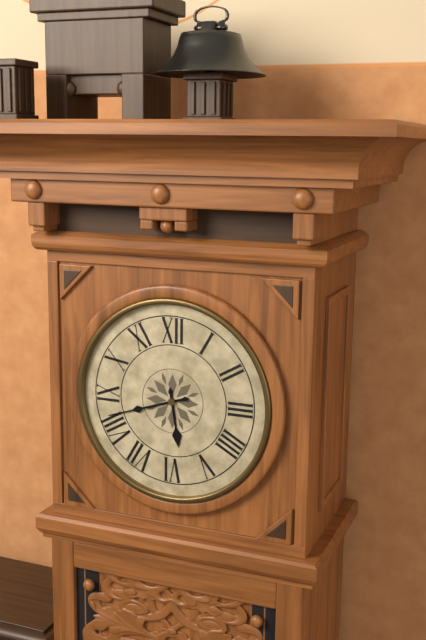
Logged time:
h=5 m=42
